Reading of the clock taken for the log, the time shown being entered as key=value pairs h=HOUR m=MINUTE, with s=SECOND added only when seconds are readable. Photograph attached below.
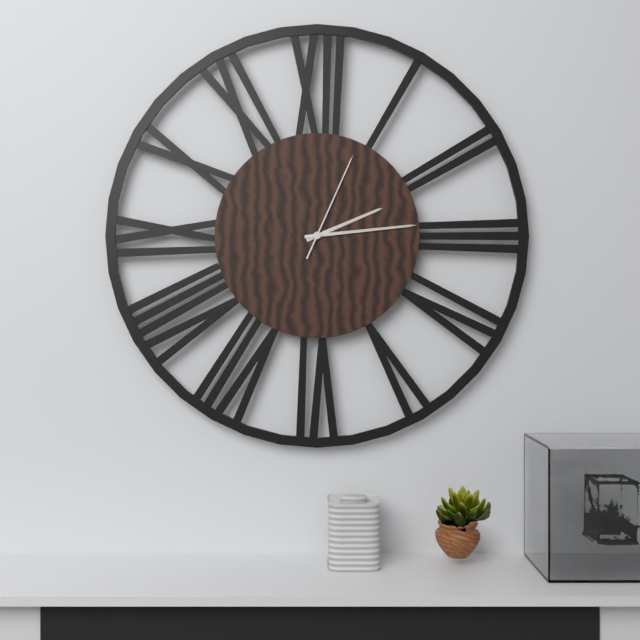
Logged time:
h=2 m=14 s=4
